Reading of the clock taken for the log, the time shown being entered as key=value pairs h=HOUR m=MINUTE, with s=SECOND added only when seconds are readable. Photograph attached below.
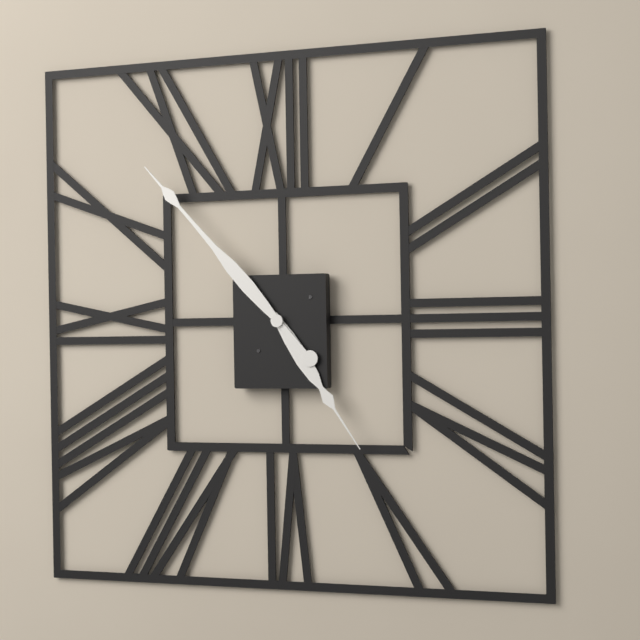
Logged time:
h=4 m=53
